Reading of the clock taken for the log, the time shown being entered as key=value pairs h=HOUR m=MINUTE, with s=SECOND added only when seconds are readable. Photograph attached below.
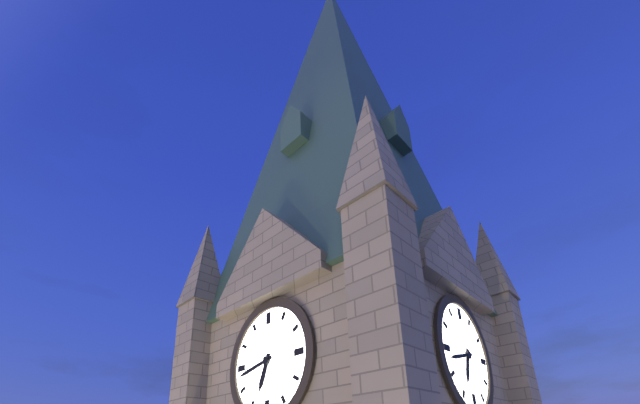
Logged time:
h=6 m=43
